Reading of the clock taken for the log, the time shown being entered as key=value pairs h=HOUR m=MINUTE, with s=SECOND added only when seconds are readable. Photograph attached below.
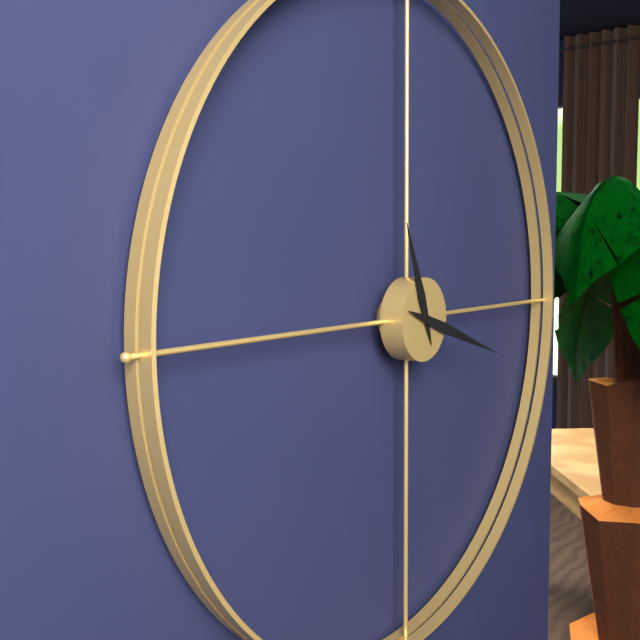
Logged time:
h=11 m=18
